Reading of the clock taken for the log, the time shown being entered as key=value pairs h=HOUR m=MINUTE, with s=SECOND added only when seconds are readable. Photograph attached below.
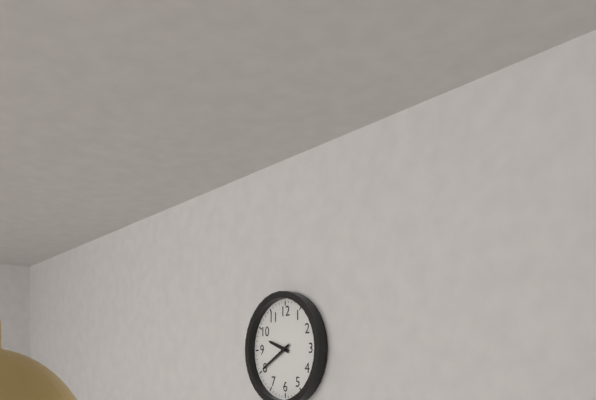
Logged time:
h=9 m=40
